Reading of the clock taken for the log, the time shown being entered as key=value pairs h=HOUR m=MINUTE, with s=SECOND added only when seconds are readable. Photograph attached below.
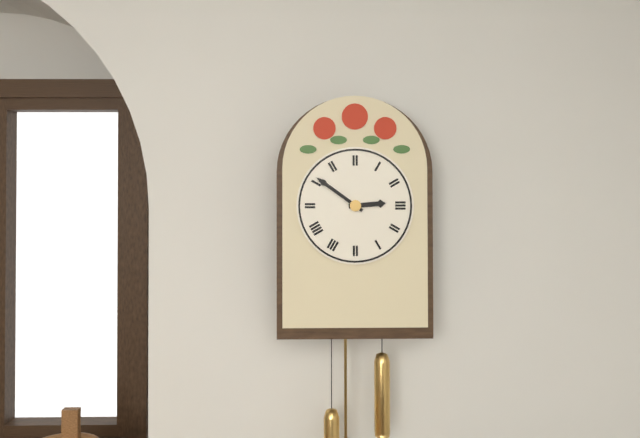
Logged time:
h=2 m=51
